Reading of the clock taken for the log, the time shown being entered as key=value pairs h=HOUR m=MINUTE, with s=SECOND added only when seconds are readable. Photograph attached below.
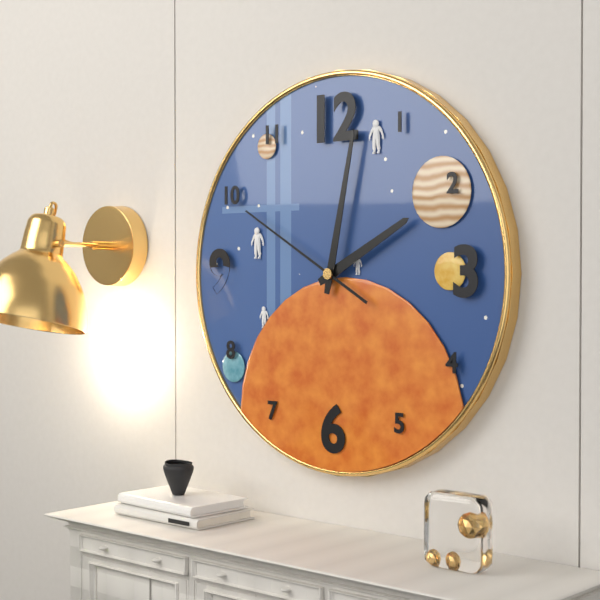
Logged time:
h=2 m=2 s=50
